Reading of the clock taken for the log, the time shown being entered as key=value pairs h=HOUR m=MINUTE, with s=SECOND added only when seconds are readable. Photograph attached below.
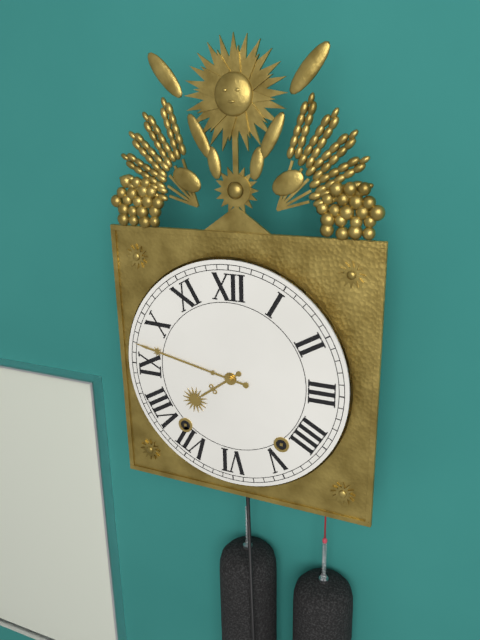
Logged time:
h=7 m=47
